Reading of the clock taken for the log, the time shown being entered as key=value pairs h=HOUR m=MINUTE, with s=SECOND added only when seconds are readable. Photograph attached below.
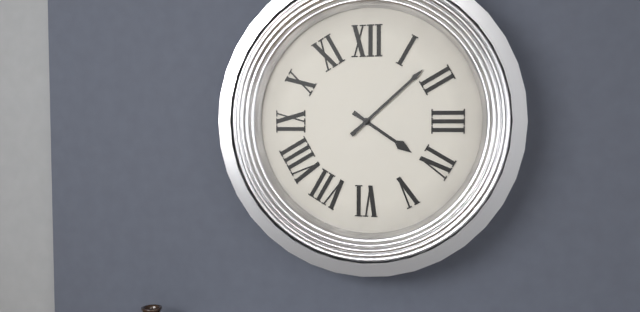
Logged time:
h=4 m=8
